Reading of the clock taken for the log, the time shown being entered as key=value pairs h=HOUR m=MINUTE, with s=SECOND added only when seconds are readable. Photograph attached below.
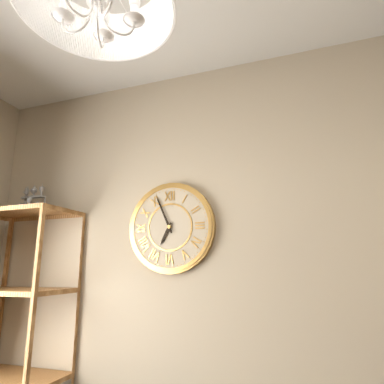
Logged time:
h=6 m=56
